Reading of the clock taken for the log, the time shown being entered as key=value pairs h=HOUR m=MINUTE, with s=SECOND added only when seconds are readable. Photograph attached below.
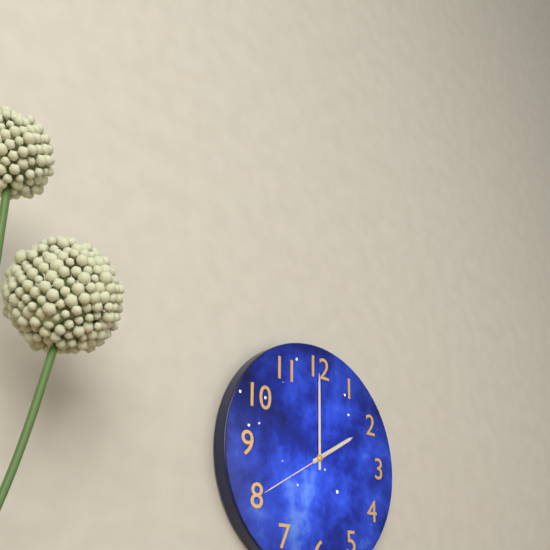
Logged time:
h=2 m=0 s=40
